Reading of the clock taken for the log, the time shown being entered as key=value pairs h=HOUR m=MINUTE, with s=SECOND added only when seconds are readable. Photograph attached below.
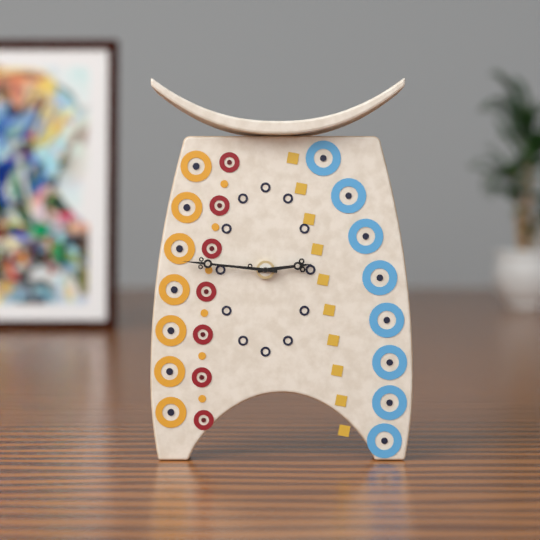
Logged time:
h=2 m=46
